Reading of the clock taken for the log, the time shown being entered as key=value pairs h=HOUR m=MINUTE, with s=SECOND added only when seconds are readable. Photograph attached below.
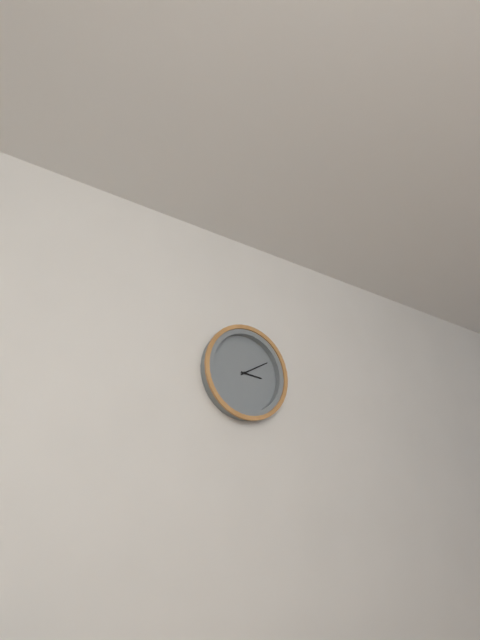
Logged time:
h=3 m=10
